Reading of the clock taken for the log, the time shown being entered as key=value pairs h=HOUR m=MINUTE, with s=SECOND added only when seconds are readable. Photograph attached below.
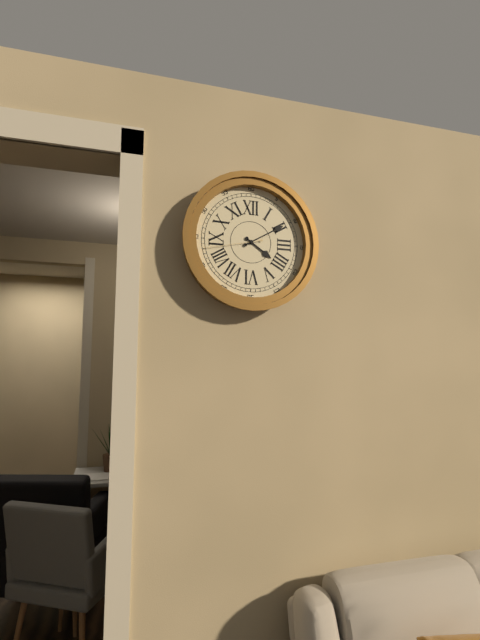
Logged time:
h=4 m=10 s=43
